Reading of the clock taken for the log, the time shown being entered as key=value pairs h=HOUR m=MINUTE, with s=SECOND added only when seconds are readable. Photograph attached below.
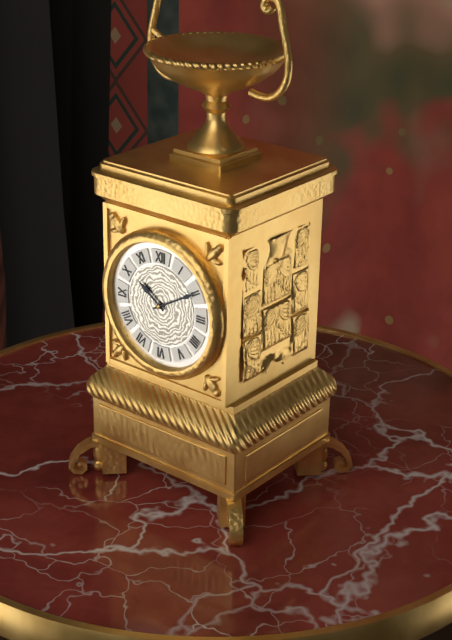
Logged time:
h=10 m=10
